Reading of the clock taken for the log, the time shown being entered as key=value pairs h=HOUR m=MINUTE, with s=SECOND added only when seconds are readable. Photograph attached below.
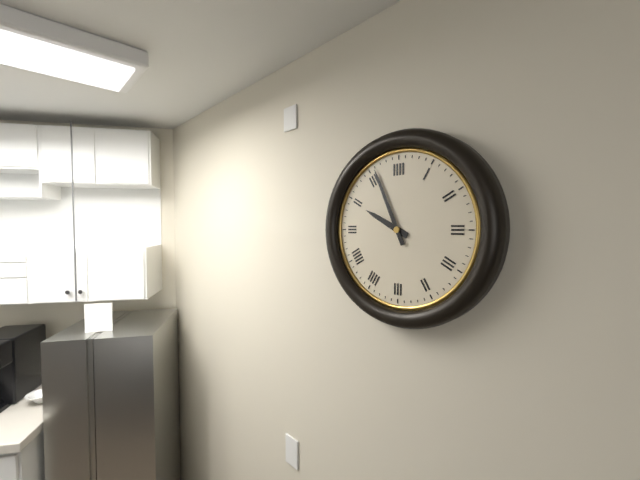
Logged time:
h=9 m=56
